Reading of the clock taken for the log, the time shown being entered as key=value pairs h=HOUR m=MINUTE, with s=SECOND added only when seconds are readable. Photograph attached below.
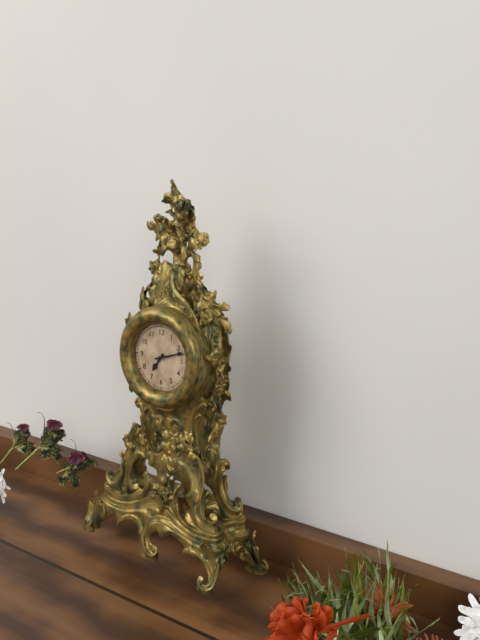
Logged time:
h=7 m=12
